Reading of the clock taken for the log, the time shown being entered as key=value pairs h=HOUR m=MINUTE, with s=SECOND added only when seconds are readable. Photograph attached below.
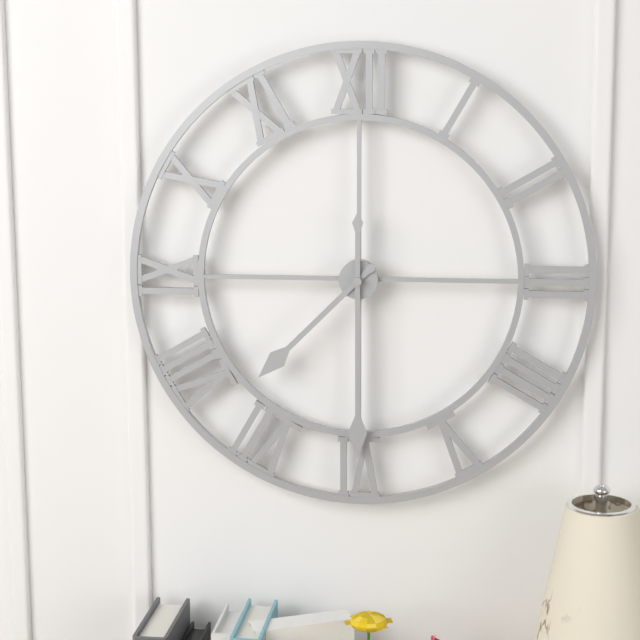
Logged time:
h=7 m=30
